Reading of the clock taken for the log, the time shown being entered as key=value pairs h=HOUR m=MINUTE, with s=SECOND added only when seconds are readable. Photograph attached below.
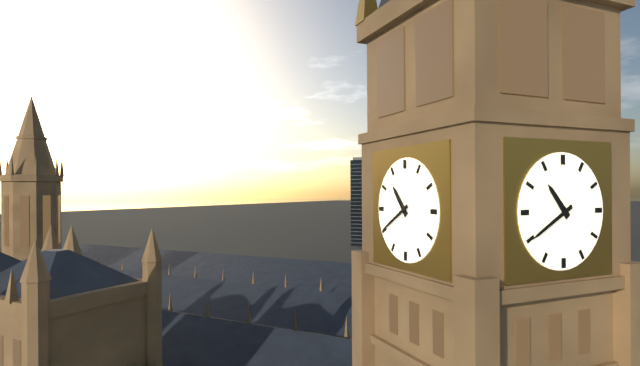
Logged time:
h=10 m=40
